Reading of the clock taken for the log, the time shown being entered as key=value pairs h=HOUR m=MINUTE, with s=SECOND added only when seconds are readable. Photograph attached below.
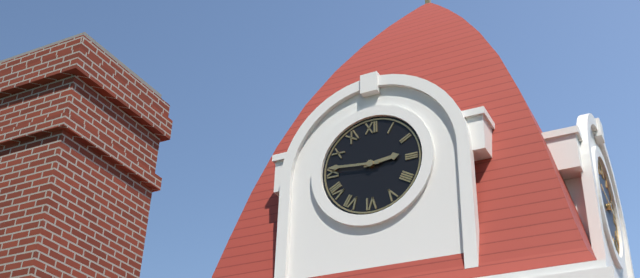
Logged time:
h=2 m=46
